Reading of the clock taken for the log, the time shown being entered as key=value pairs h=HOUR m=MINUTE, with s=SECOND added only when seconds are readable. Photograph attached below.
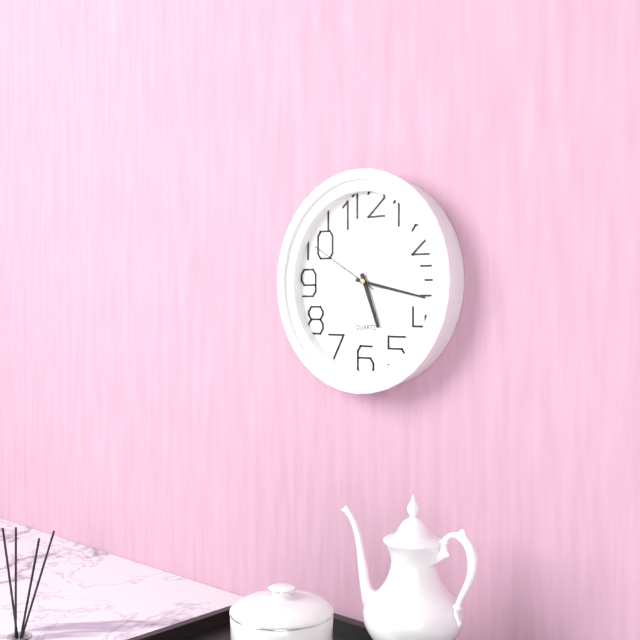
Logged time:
h=5 m=17 s=50
